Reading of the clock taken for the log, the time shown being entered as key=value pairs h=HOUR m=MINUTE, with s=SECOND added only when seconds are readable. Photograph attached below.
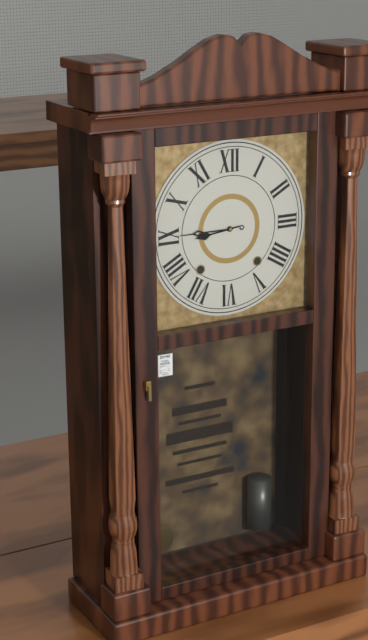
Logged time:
h=8 m=45
